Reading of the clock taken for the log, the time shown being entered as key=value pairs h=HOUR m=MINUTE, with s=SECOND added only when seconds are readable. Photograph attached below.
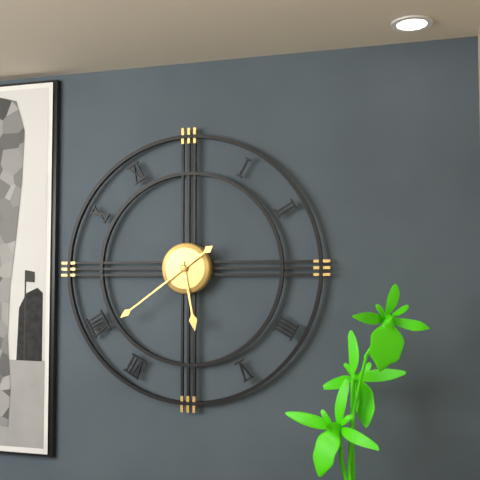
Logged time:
h=5 m=39
